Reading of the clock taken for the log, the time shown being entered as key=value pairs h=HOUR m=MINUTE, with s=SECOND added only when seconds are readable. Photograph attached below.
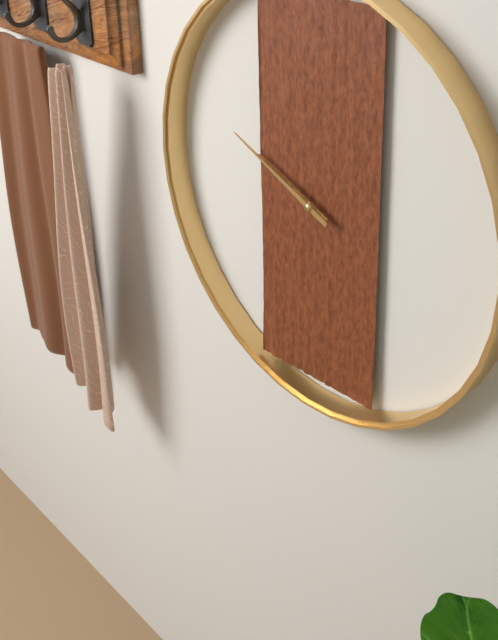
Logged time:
h=9 m=49
